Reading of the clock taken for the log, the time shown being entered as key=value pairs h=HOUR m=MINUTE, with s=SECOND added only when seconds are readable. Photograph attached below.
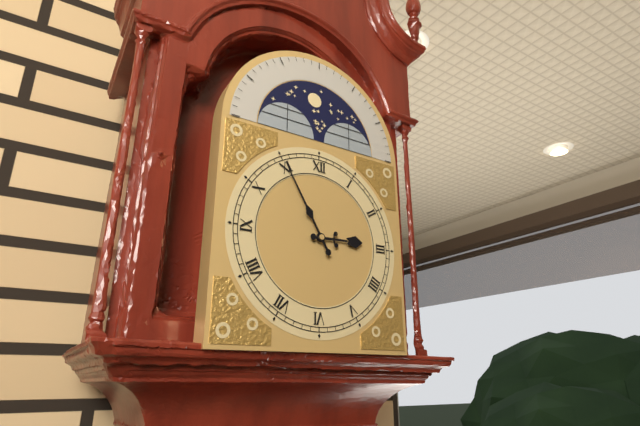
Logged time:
h=2 m=55
